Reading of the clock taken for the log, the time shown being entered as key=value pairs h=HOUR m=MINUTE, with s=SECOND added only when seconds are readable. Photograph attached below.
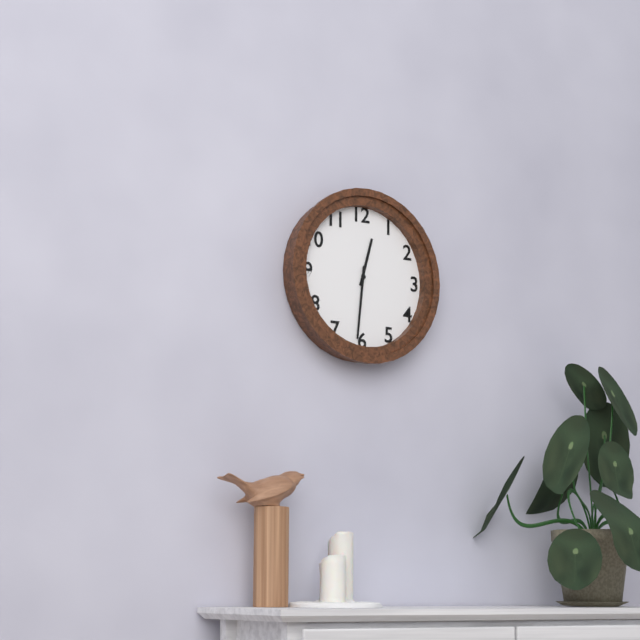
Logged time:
h=12 m=31
